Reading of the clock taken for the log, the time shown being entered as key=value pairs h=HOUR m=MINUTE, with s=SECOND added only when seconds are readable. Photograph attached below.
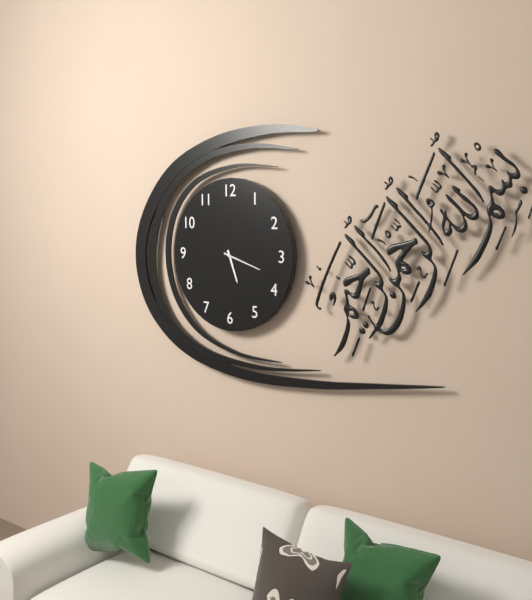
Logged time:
h=5 m=18
